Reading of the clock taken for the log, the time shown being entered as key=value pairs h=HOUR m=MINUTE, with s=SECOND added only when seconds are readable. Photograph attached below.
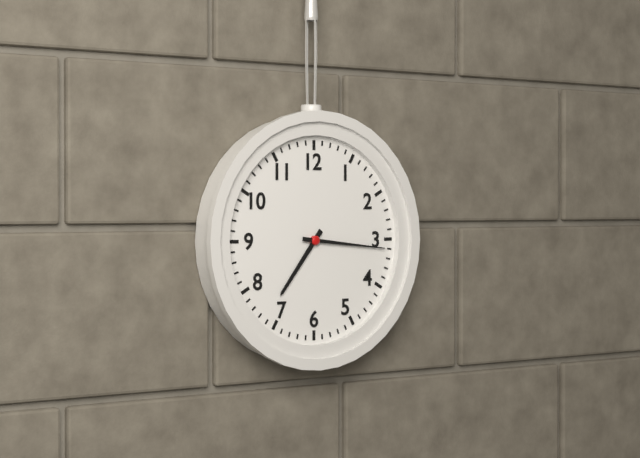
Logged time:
h=7 m=16
